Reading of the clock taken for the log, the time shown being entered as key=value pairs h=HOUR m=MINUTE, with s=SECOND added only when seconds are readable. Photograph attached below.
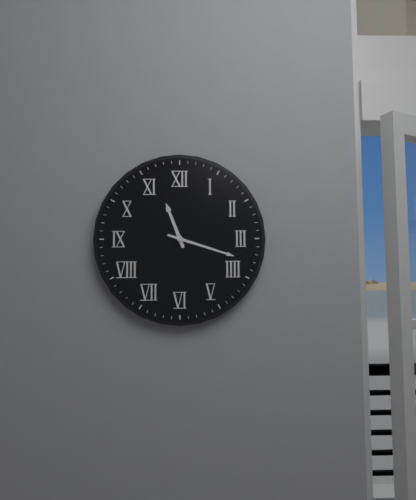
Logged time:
h=11 m=18
